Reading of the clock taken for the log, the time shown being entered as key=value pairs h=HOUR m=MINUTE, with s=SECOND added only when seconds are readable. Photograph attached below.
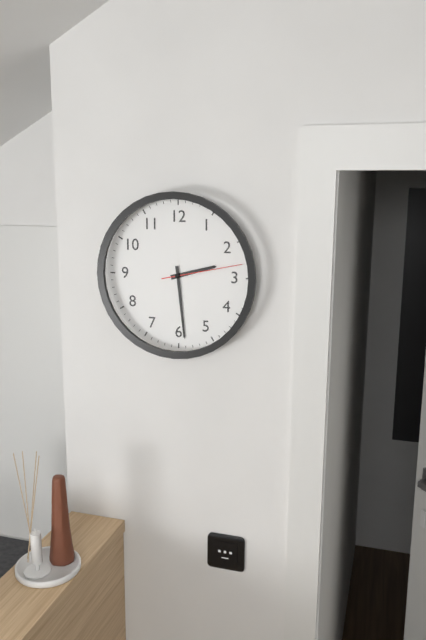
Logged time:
h=2 m=29 s=13
